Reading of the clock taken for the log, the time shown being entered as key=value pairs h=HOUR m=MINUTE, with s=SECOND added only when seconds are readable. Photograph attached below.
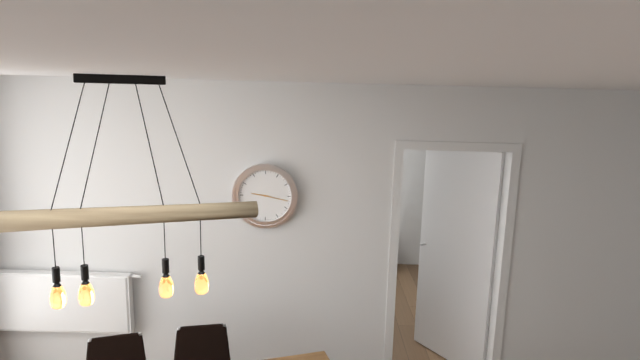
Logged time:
h=9 m=17
